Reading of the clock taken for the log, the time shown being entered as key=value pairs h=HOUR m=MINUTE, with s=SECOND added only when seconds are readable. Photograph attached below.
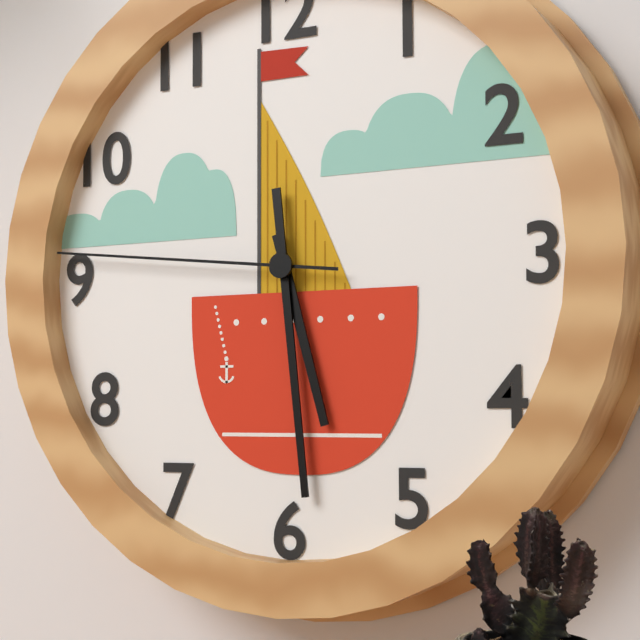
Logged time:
h=5 m=29 s=46
